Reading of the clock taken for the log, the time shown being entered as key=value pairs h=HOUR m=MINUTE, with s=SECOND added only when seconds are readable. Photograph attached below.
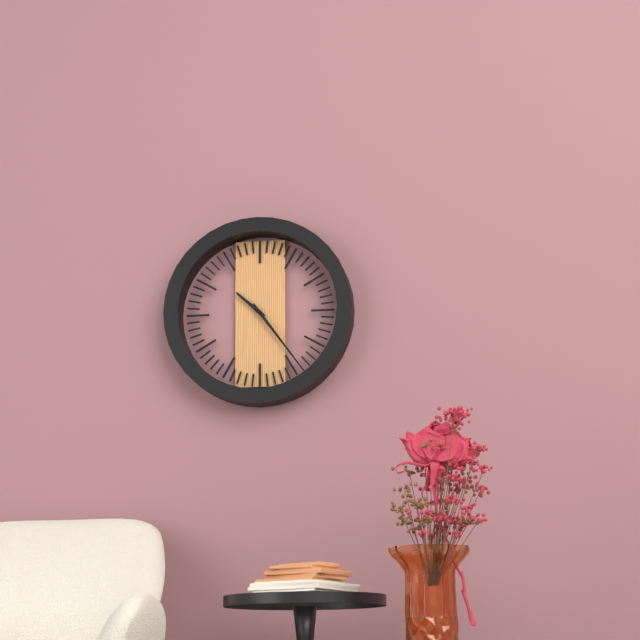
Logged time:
h=10 m=24
